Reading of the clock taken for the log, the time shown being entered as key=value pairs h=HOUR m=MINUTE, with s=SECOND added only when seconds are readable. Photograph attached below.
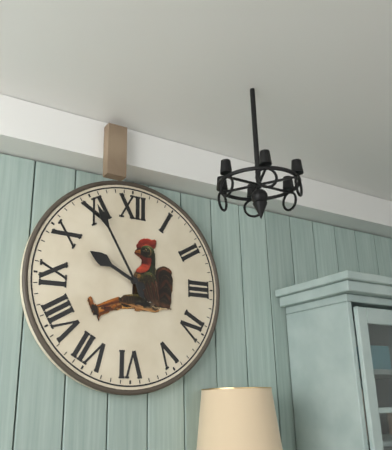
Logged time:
h=9 m=55
